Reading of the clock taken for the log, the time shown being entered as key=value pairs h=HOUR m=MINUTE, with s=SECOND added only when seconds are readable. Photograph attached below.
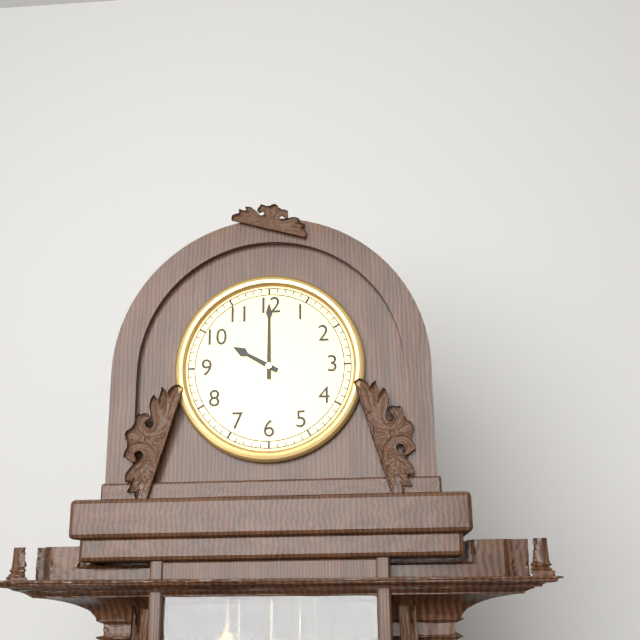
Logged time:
h=10 m=0
